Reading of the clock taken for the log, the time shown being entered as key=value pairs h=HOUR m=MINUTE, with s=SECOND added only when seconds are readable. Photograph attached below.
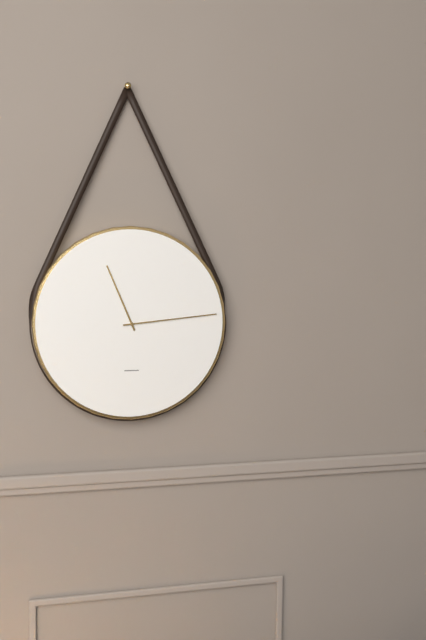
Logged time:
h=11 m=14
